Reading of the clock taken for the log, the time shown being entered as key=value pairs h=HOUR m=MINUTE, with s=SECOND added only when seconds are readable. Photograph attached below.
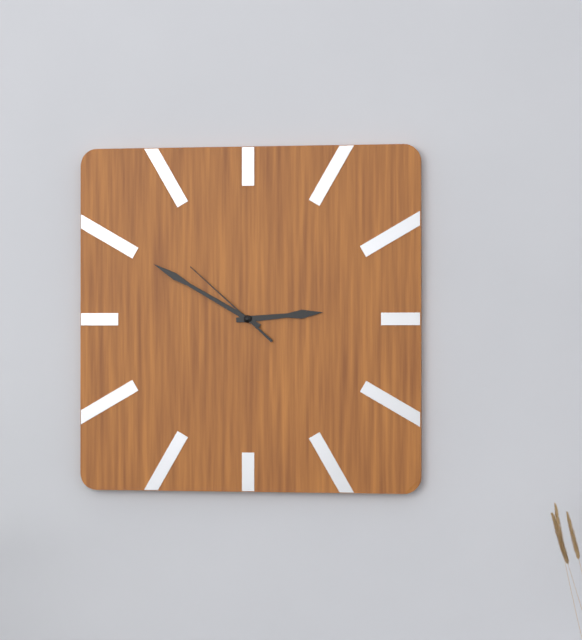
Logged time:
h=2 m=50 s=52
